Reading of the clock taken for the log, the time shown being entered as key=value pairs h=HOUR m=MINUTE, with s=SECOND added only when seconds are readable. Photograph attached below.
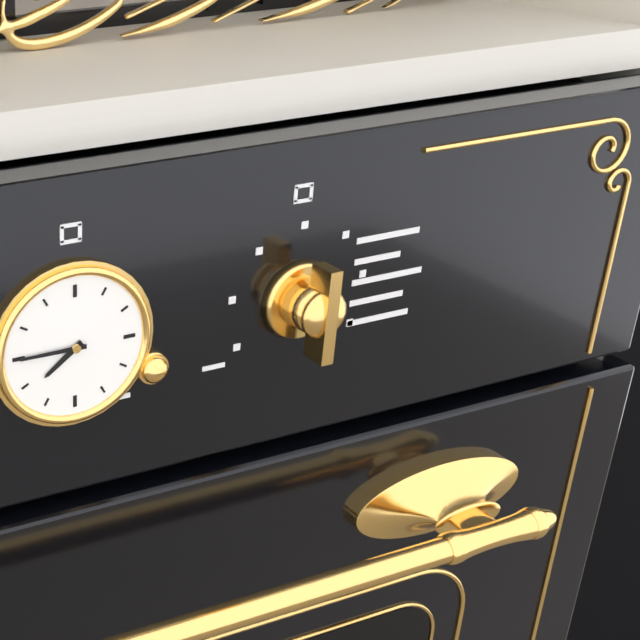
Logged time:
h=7 m=45
